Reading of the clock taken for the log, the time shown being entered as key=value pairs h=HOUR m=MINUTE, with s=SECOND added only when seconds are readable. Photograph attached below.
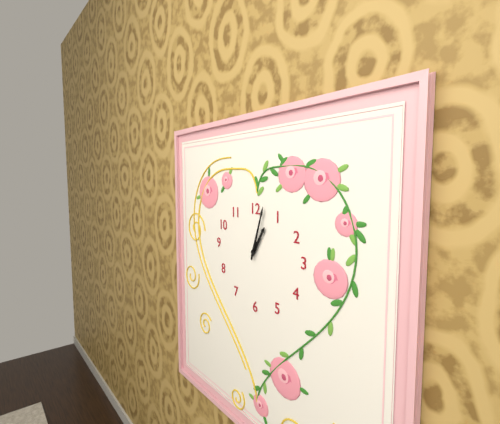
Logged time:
h=1 m=3
